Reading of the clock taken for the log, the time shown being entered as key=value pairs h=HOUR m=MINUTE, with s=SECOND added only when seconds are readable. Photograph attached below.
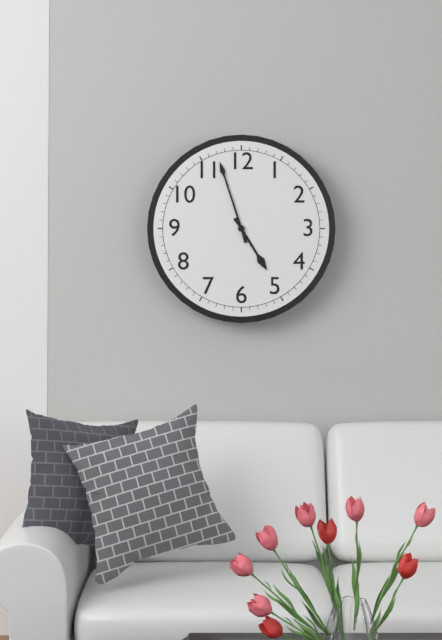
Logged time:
h=4 m=57
